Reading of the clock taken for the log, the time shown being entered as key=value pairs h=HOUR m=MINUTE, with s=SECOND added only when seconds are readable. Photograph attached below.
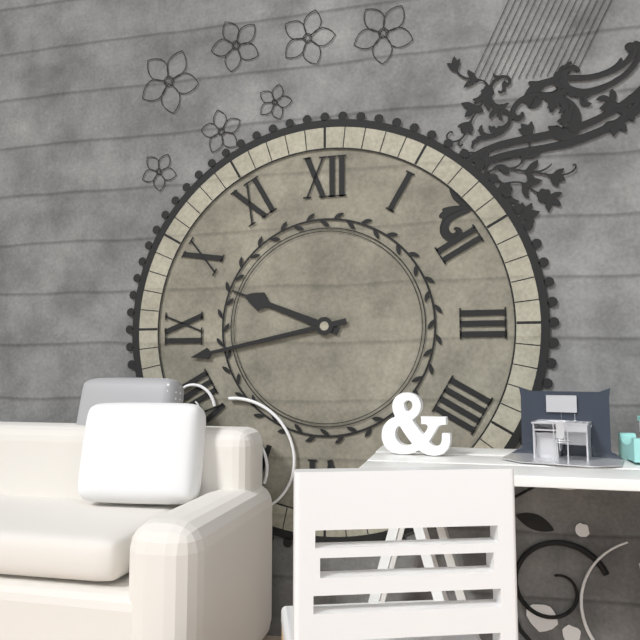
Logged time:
h=9 m=43
